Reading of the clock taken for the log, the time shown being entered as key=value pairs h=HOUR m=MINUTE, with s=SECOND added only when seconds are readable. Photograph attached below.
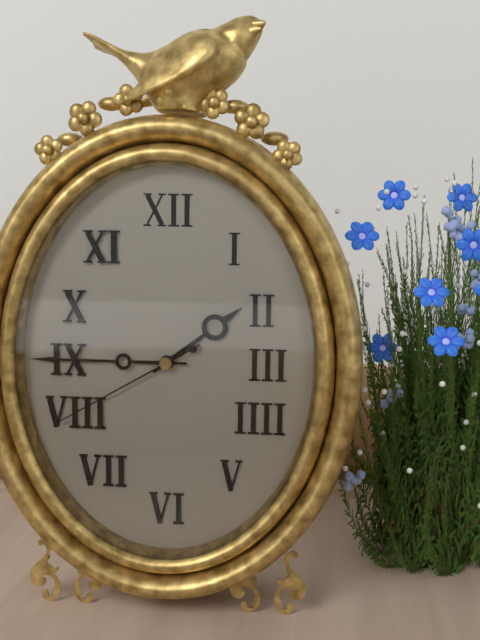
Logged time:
h=1 m=45 s=40
